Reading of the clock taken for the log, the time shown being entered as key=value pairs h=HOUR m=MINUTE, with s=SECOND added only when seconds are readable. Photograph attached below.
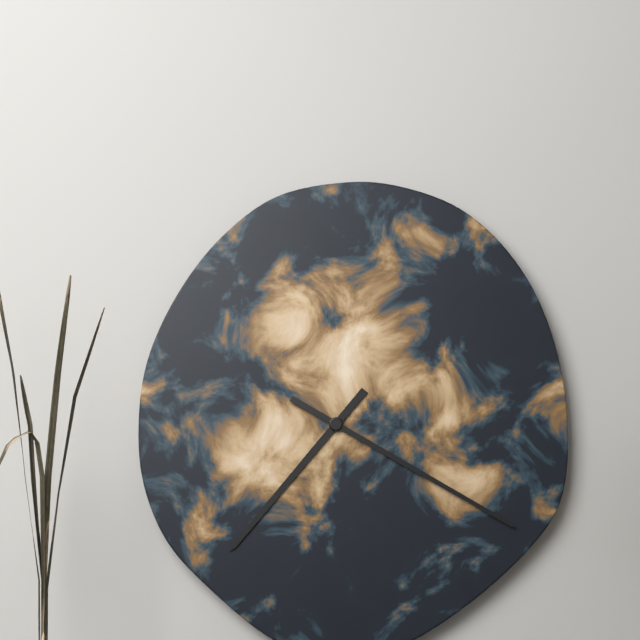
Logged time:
h=7 m=20
